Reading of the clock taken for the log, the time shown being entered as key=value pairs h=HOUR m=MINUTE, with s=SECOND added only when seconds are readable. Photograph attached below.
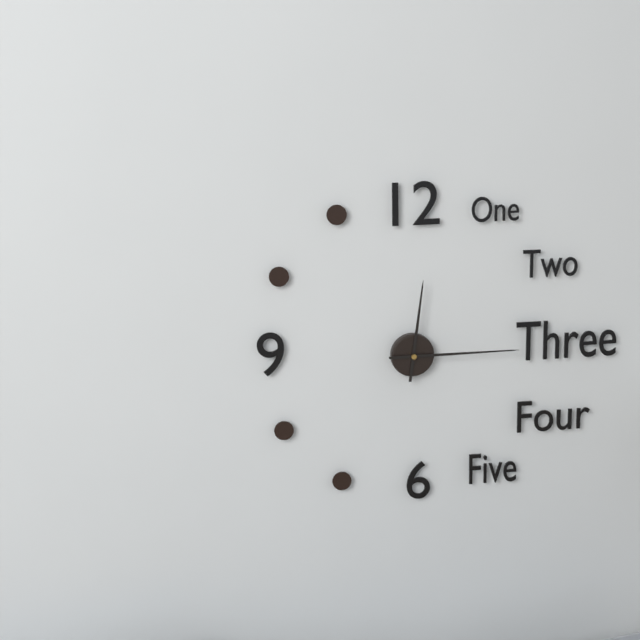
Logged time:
h=12 m=15
